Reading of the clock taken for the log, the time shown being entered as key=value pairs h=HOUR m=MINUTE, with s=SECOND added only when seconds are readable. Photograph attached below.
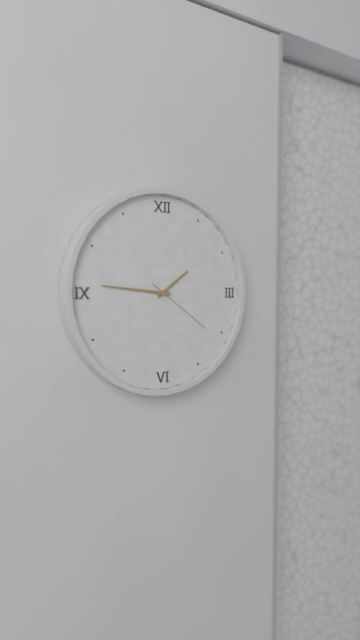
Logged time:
h=1 m=46 s=21
